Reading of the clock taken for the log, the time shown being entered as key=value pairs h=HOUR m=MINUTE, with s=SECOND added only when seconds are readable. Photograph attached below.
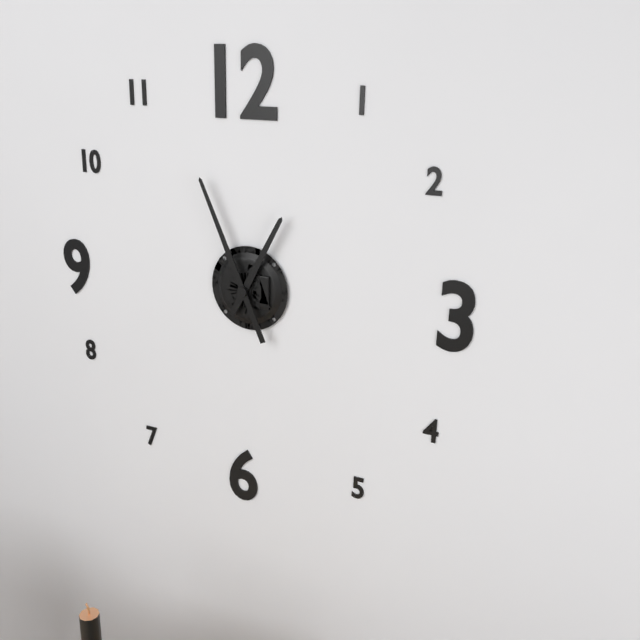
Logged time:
h=12 m=56
